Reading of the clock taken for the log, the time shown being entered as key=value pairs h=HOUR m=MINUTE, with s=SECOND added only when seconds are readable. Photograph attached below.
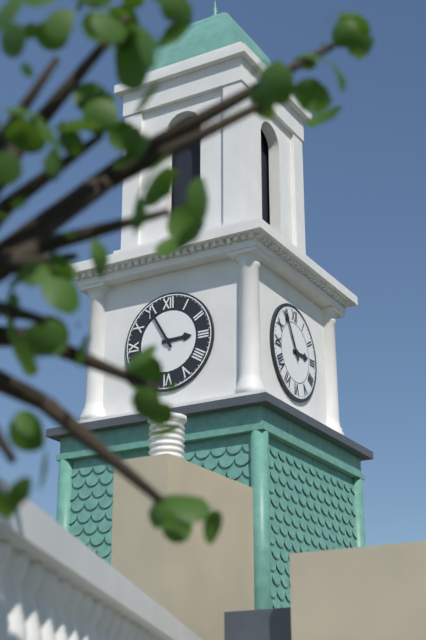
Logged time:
h=2 m=55
